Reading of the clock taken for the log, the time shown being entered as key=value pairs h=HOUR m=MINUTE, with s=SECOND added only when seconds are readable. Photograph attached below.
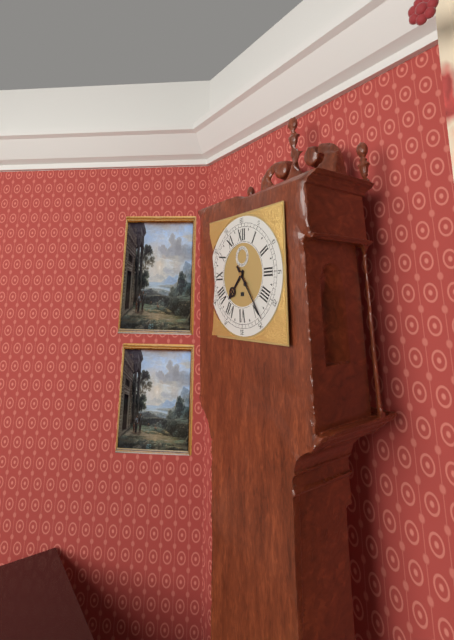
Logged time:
h=7 m=24
